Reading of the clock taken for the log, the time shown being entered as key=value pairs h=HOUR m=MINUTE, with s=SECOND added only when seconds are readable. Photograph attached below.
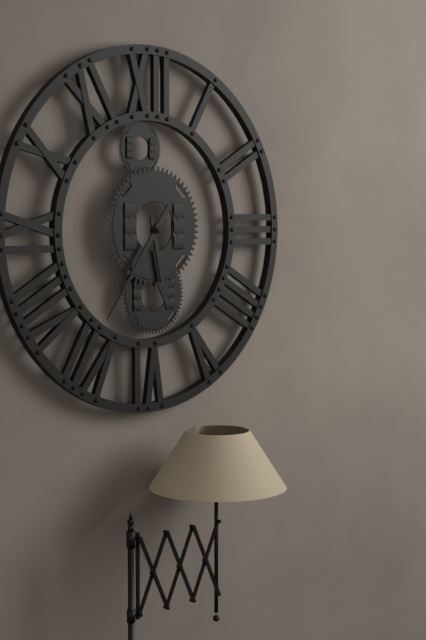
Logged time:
h=5 m=36
